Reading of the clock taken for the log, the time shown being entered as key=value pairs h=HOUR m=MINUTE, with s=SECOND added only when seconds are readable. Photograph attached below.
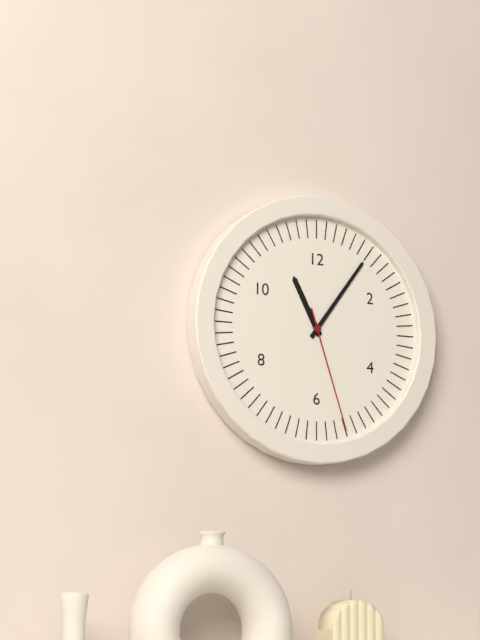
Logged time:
h=11 m=6 s=27
